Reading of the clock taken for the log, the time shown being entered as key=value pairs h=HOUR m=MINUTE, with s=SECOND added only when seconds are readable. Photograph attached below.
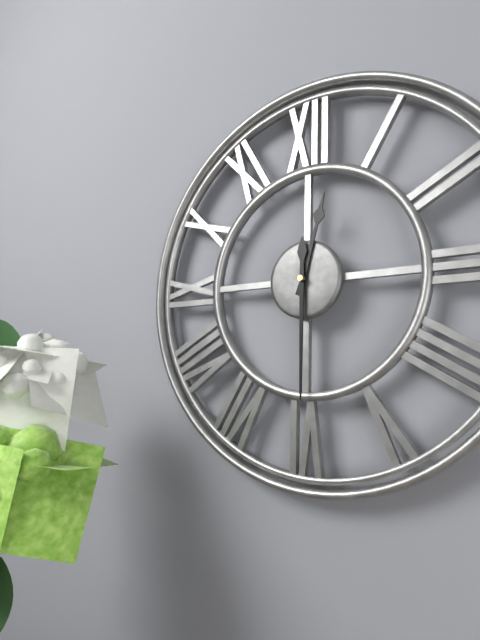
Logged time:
h=12 m=30
